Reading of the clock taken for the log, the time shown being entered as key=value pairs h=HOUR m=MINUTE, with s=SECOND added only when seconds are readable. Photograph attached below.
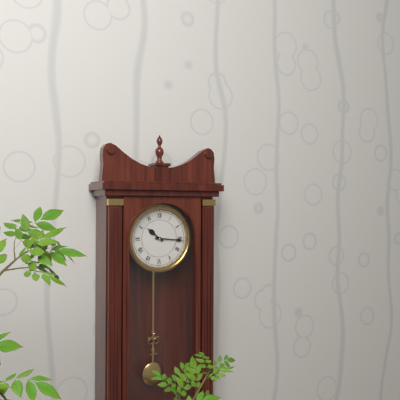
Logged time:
h=10 m=16
